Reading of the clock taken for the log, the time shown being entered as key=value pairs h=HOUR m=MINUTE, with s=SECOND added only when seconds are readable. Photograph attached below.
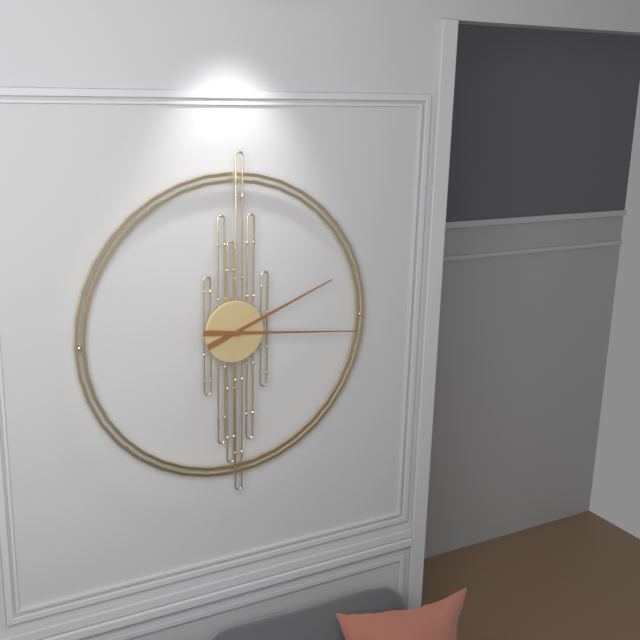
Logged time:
h=2 m=16
